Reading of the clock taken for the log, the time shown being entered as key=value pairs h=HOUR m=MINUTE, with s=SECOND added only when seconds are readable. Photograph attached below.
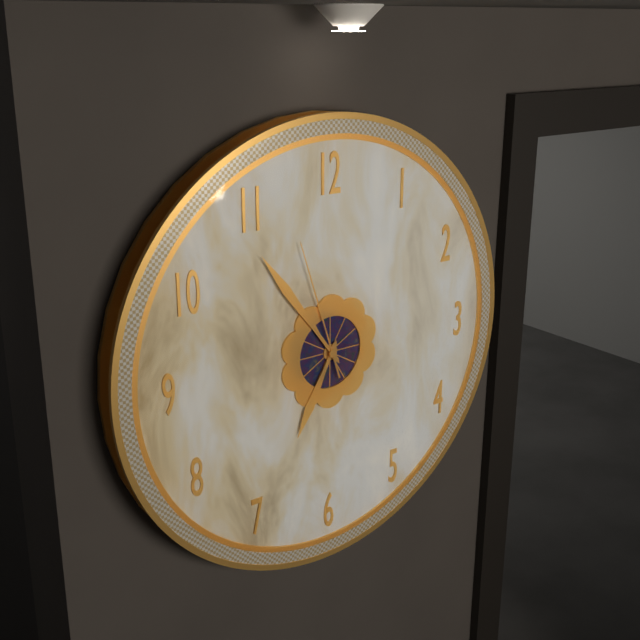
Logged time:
h=6 m=54 s=57
